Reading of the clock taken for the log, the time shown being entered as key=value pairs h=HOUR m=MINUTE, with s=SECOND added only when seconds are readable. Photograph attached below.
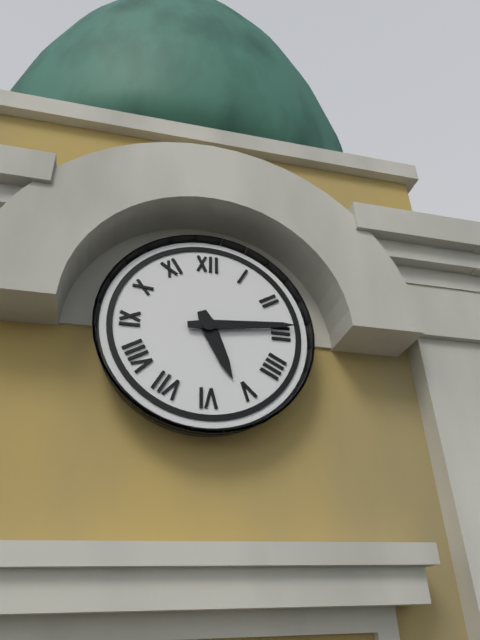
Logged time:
h=5 m=14
